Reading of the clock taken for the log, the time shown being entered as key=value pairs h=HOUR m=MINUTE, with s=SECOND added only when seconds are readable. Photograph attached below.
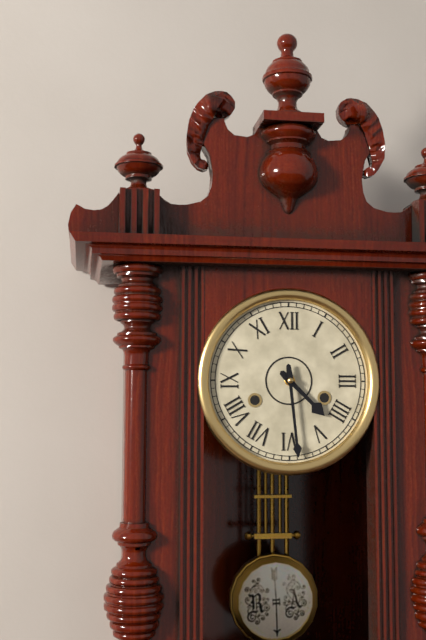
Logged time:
h=4 m=29
